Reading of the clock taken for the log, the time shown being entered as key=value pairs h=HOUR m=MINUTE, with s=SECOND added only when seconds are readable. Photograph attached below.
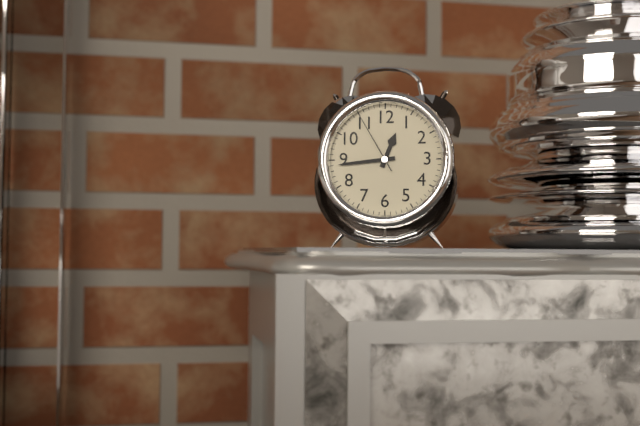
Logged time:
h=12 m=44 s=55
